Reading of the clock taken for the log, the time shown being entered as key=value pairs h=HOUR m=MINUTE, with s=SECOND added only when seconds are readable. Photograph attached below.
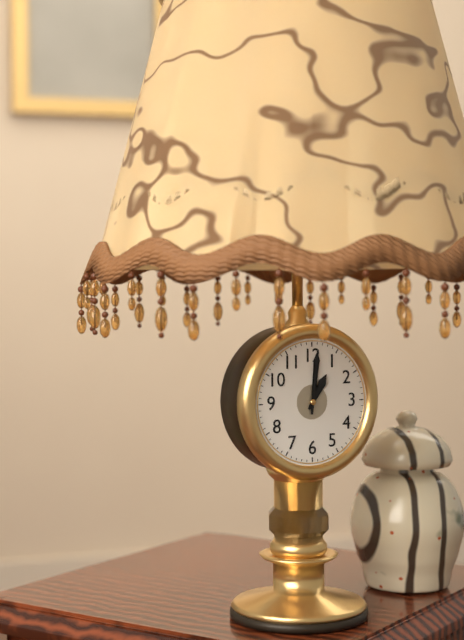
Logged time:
h=1 m=1
